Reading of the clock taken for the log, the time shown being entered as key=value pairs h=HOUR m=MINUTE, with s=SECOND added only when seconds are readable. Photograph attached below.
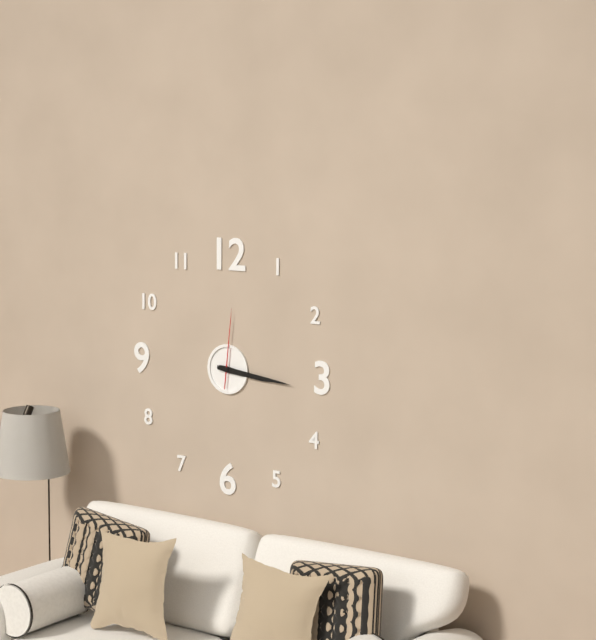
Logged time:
h=3 m=16 s=1
